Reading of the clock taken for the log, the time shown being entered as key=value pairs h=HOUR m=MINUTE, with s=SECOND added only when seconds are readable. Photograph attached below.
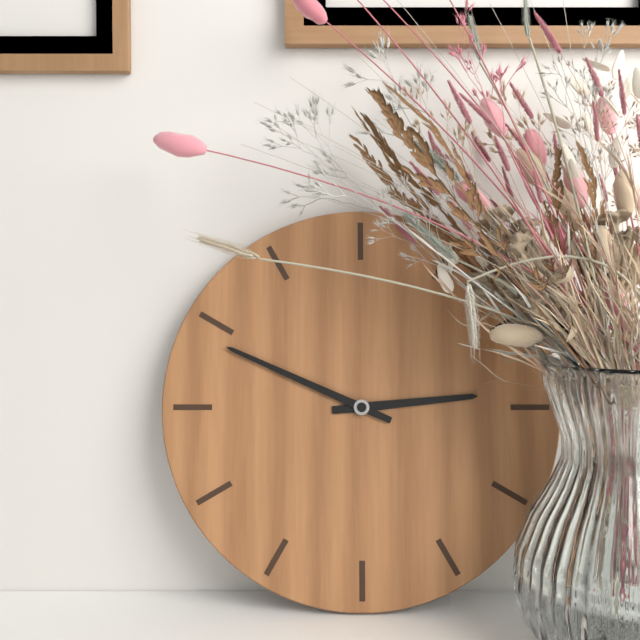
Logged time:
h=2 m=49
